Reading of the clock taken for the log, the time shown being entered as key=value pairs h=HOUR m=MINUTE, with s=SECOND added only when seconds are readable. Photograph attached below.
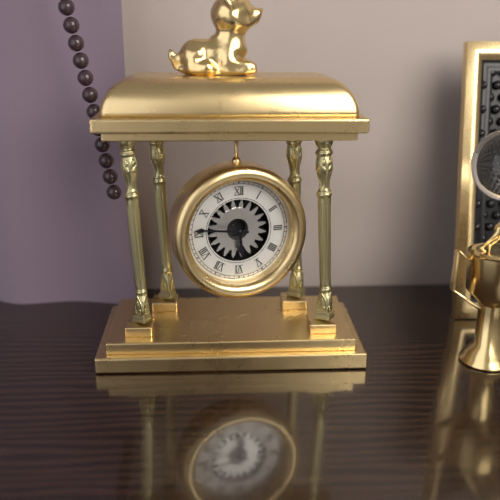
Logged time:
h=5 m=46
